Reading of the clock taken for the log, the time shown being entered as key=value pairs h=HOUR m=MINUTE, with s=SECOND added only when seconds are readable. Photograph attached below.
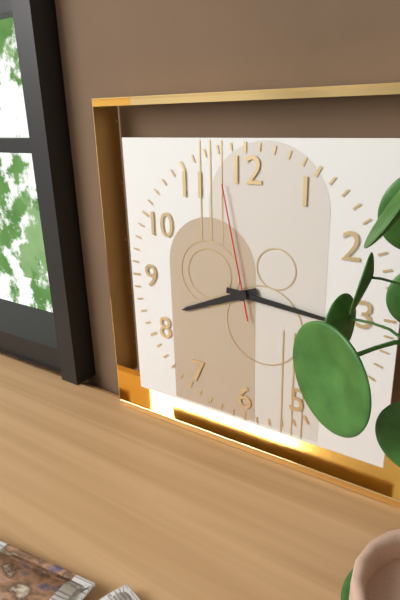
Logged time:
h=8 m=16 s=58
